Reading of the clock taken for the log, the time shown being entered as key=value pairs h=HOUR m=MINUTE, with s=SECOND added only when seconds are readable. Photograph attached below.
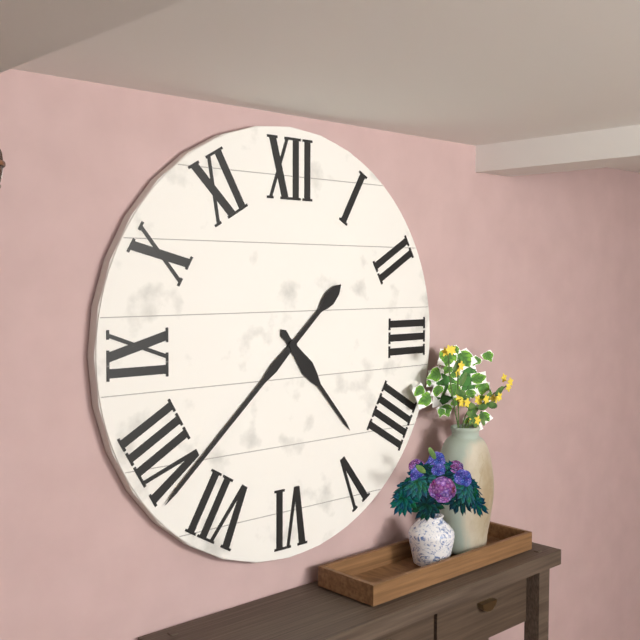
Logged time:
h=4 m=38
